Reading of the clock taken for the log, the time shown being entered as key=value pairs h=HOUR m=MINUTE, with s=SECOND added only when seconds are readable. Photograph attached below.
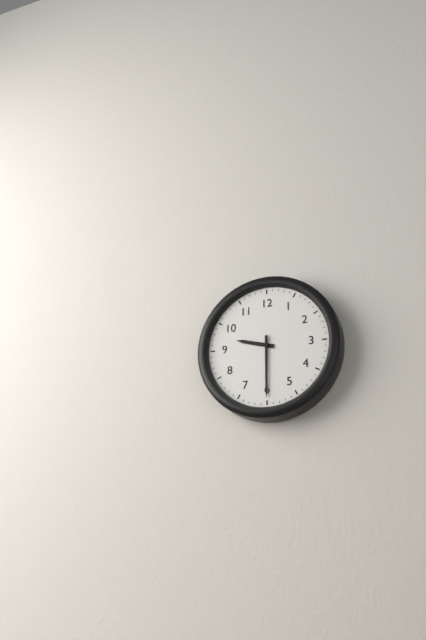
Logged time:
h=9 m=30
